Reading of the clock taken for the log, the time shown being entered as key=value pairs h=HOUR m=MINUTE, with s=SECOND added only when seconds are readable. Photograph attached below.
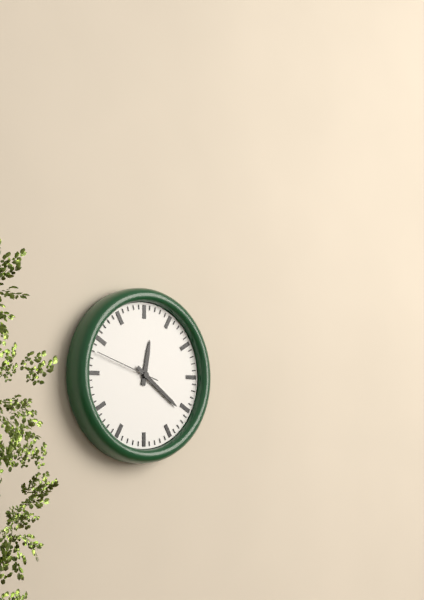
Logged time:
h=12 m=21 s=48
